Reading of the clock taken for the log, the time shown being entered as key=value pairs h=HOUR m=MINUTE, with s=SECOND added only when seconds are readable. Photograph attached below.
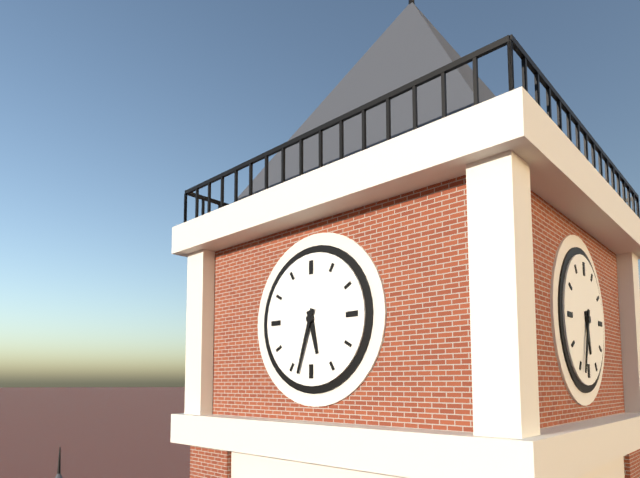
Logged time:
h=5 m=33
